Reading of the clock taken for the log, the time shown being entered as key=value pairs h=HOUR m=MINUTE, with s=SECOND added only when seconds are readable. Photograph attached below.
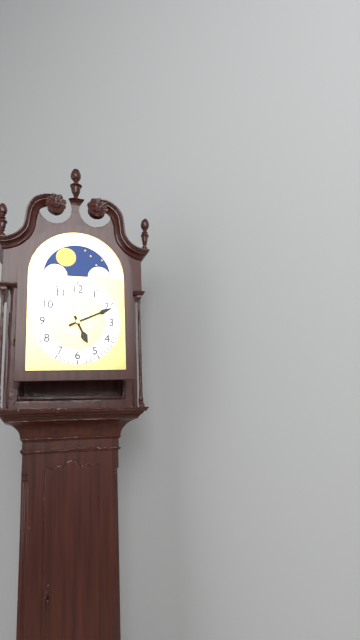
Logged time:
h=5 m=11
